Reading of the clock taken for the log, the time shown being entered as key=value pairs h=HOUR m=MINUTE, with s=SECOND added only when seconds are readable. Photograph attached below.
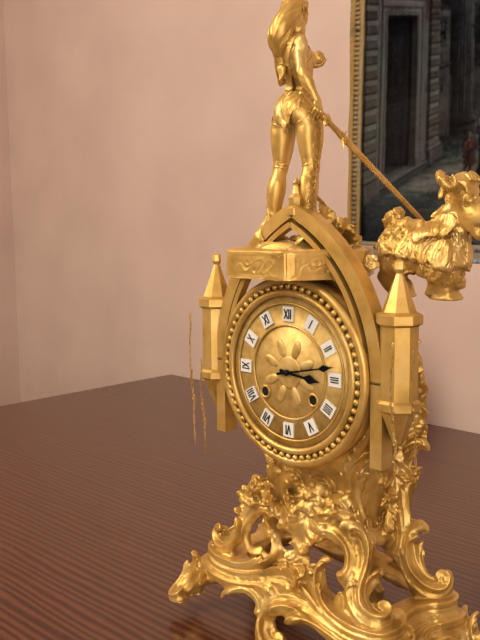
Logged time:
h=3 m=13
